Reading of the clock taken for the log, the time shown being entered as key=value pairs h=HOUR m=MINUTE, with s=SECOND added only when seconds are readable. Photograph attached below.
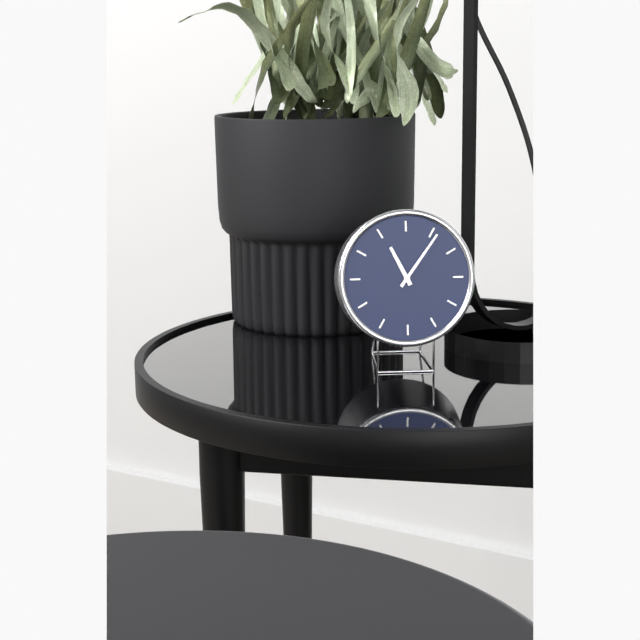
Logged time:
h=11 m=6
